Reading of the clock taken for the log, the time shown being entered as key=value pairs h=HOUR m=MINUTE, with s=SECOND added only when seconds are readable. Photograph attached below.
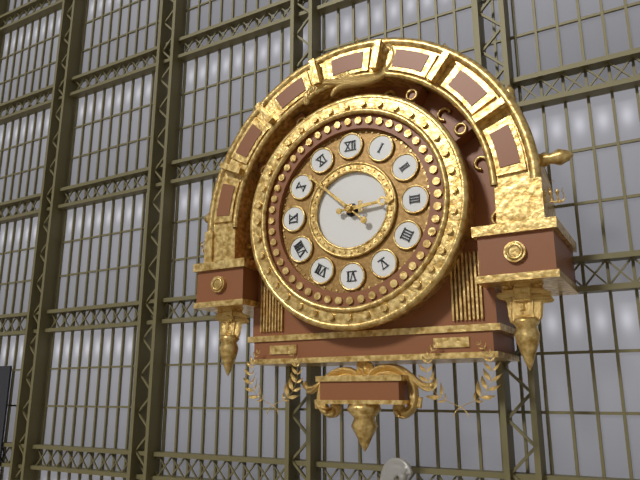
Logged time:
h=2 m=52
